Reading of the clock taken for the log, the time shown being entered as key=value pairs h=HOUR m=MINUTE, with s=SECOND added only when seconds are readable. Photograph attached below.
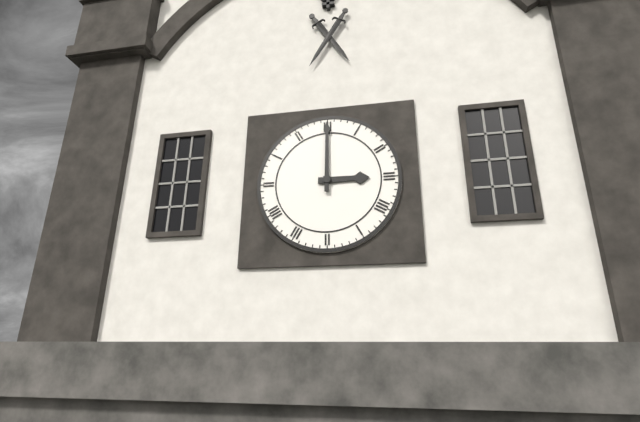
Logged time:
h=3 m=0
